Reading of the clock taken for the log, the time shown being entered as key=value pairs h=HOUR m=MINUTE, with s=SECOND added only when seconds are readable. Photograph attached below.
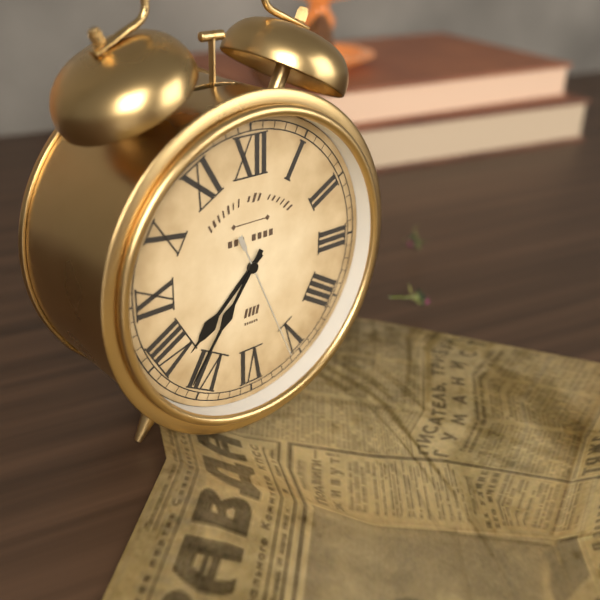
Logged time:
h=7 m=36 s=26
